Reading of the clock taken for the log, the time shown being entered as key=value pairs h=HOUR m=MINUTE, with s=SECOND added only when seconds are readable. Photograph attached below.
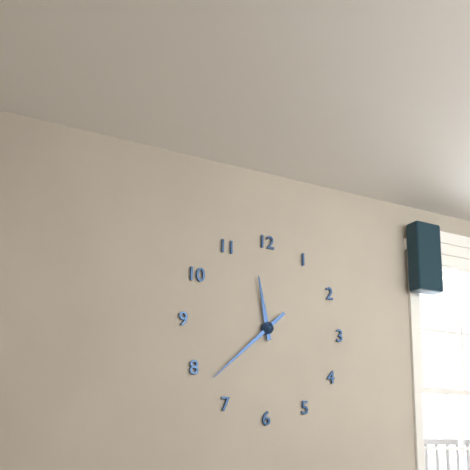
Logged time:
h=11 m=38
